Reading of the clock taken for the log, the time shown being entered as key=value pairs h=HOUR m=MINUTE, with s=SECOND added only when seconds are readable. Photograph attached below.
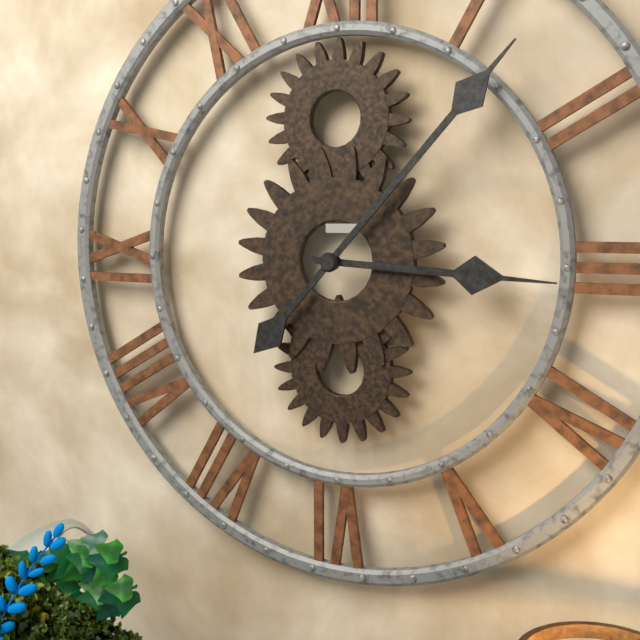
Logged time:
h=3 m=7
